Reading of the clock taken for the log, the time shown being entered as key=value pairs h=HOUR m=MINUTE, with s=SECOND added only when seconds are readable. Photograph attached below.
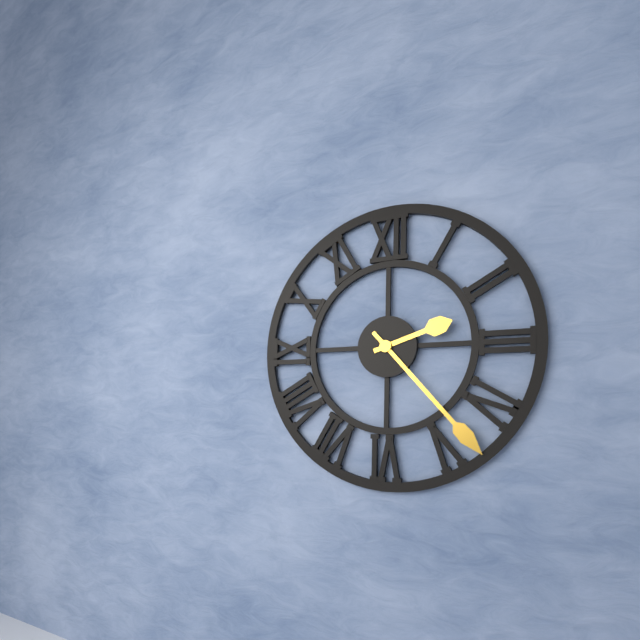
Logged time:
h=2 m=23
